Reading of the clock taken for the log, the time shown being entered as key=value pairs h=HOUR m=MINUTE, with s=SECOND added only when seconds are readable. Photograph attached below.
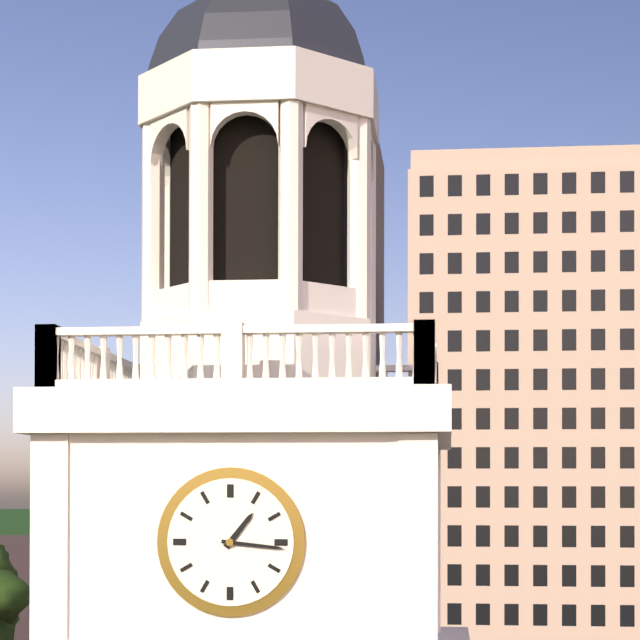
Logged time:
h=1 m=16
